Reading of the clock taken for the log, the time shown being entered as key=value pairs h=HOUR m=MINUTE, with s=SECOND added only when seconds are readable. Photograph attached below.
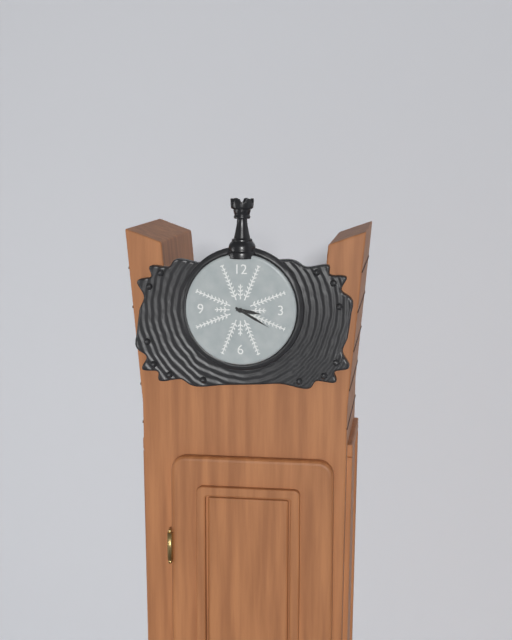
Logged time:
h=3 m=20
